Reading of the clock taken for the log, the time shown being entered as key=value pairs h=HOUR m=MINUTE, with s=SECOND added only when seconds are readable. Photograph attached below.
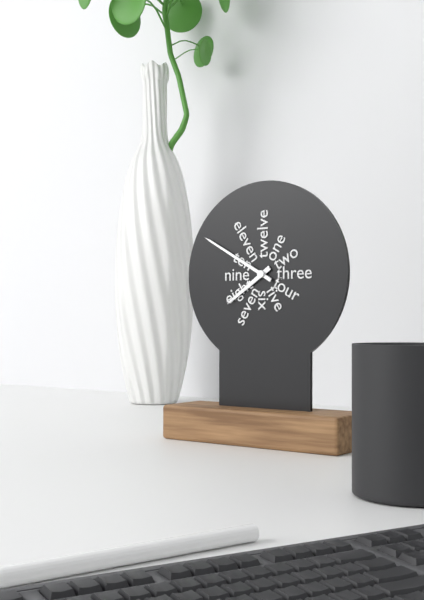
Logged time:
h=7 m=50
